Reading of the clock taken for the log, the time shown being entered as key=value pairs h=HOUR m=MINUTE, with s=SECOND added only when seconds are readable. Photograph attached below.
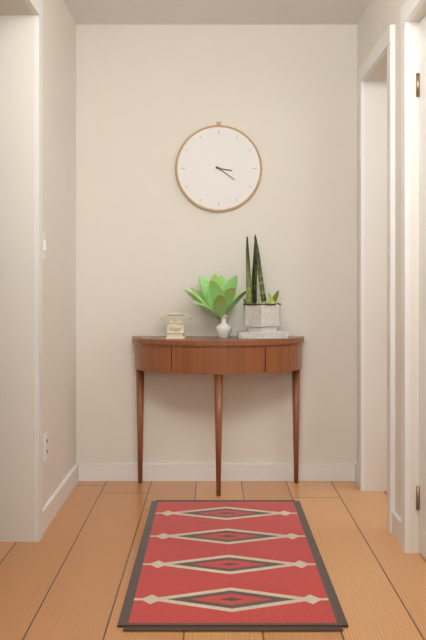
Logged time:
h=3 m=21
